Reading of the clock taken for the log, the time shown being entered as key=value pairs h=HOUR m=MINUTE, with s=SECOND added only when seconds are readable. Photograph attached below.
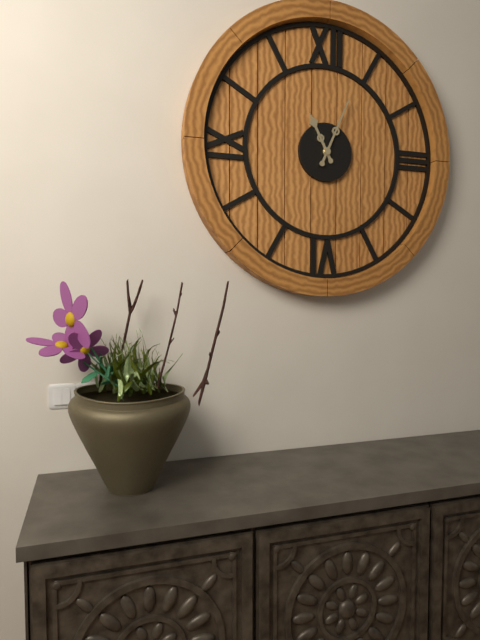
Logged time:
h=11 m=4
